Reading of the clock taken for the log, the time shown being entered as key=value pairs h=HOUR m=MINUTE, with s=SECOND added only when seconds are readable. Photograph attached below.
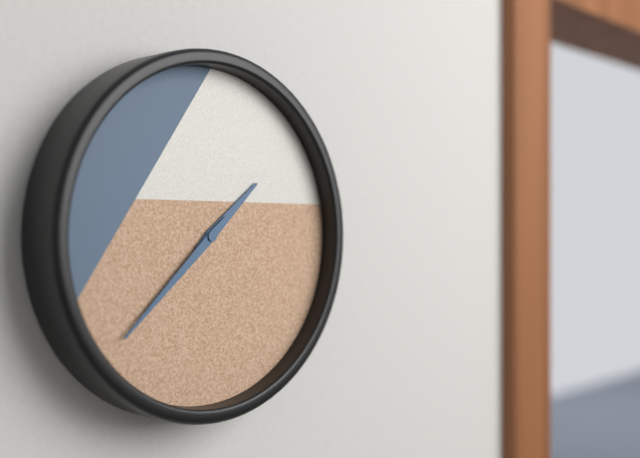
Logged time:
h=1 m=38
